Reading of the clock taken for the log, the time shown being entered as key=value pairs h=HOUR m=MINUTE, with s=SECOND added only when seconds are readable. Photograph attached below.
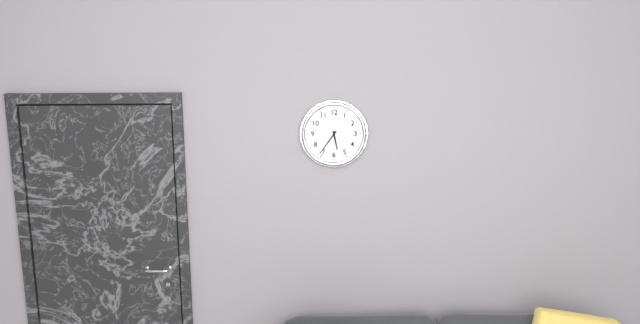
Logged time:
h=5 m=36
